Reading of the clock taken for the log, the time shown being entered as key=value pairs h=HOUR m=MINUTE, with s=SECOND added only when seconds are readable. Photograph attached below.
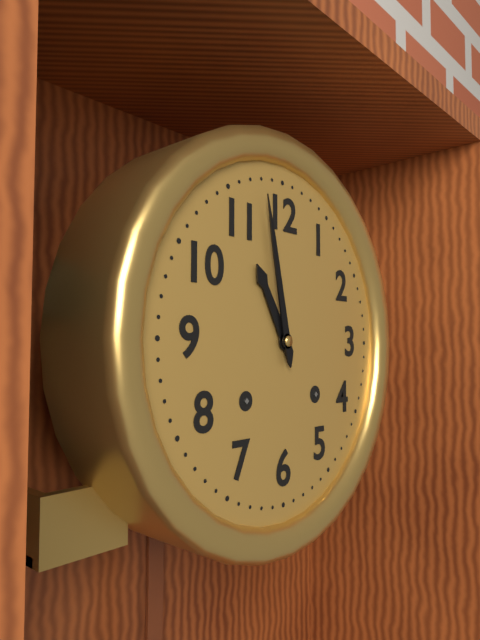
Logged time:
h=10 m=58
